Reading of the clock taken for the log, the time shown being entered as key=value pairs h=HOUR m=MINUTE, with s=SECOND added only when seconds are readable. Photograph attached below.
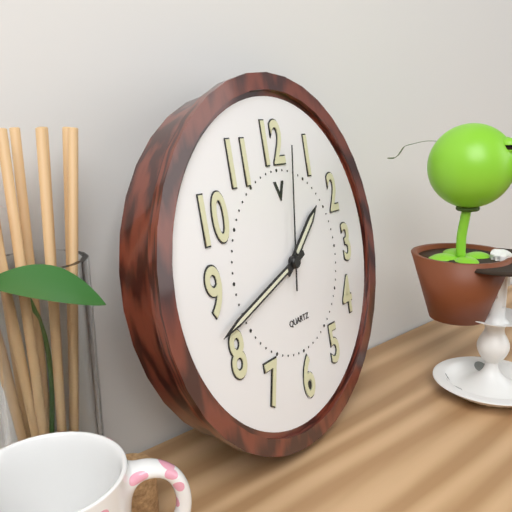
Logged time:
h=1 m=42 s=2
